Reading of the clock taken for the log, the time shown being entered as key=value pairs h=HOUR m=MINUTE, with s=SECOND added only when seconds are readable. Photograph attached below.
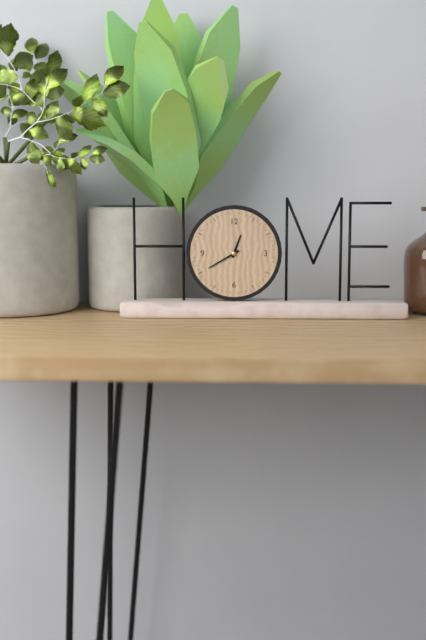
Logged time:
h=12 m=40
